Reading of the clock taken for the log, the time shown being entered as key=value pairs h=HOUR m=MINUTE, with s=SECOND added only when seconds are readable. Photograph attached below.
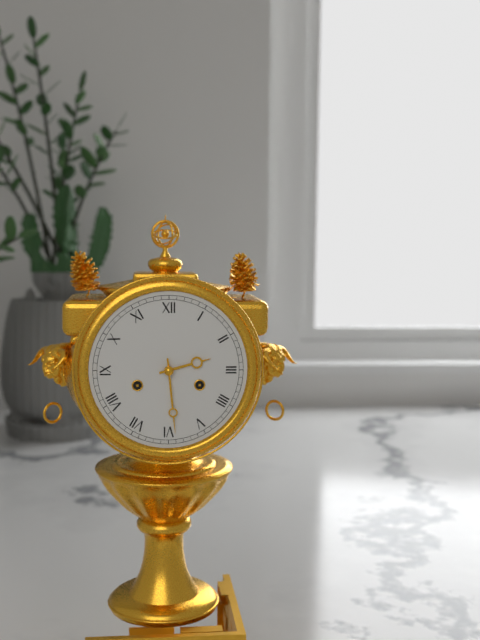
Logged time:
h=2 m=29
